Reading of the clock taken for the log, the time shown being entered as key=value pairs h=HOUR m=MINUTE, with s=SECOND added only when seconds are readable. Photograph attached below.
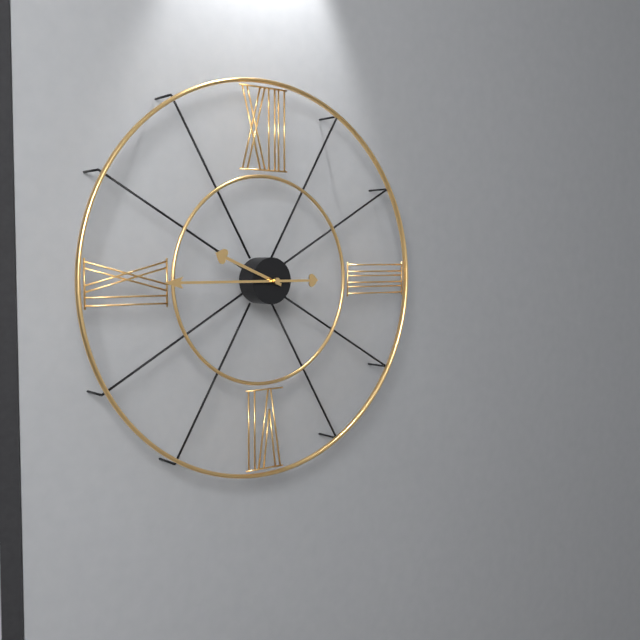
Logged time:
h=9 m=45
